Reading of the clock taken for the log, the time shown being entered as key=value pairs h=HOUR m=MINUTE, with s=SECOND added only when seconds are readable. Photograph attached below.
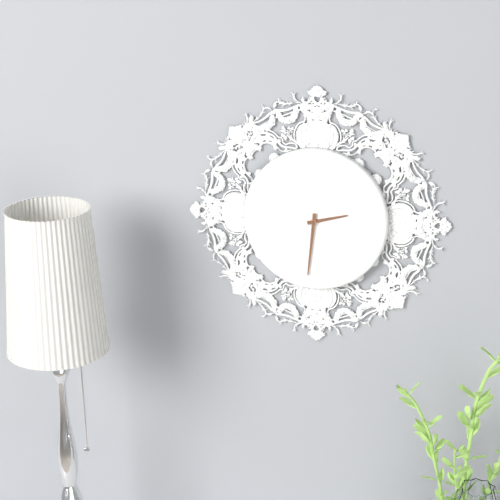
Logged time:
h=2 m=31
